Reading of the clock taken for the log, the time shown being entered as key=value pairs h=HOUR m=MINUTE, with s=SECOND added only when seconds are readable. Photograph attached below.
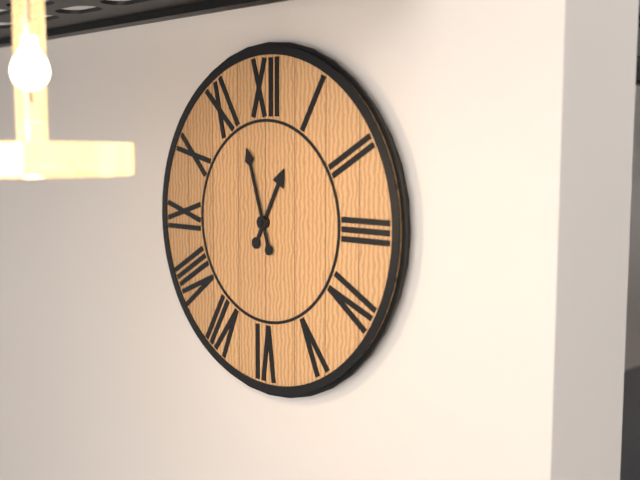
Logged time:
h=12 m=57
